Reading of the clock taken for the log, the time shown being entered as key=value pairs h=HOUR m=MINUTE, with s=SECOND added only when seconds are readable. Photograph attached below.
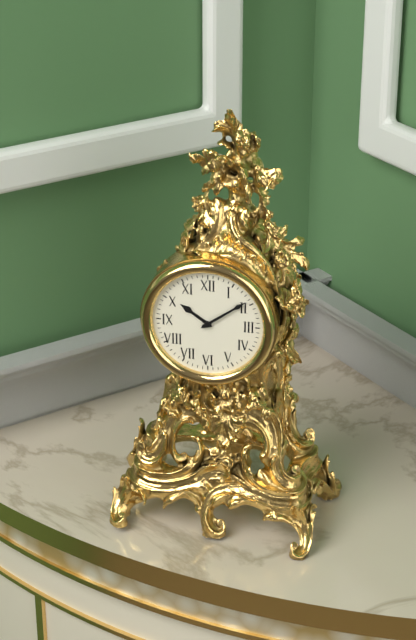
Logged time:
h=10 m=9
